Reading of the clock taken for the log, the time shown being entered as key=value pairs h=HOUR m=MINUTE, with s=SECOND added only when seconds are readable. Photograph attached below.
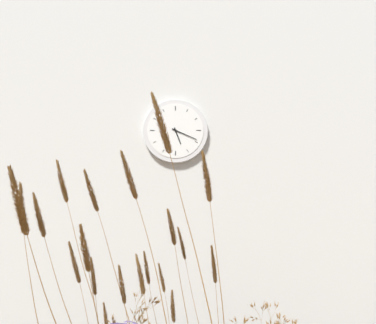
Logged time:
h=5 m=19
